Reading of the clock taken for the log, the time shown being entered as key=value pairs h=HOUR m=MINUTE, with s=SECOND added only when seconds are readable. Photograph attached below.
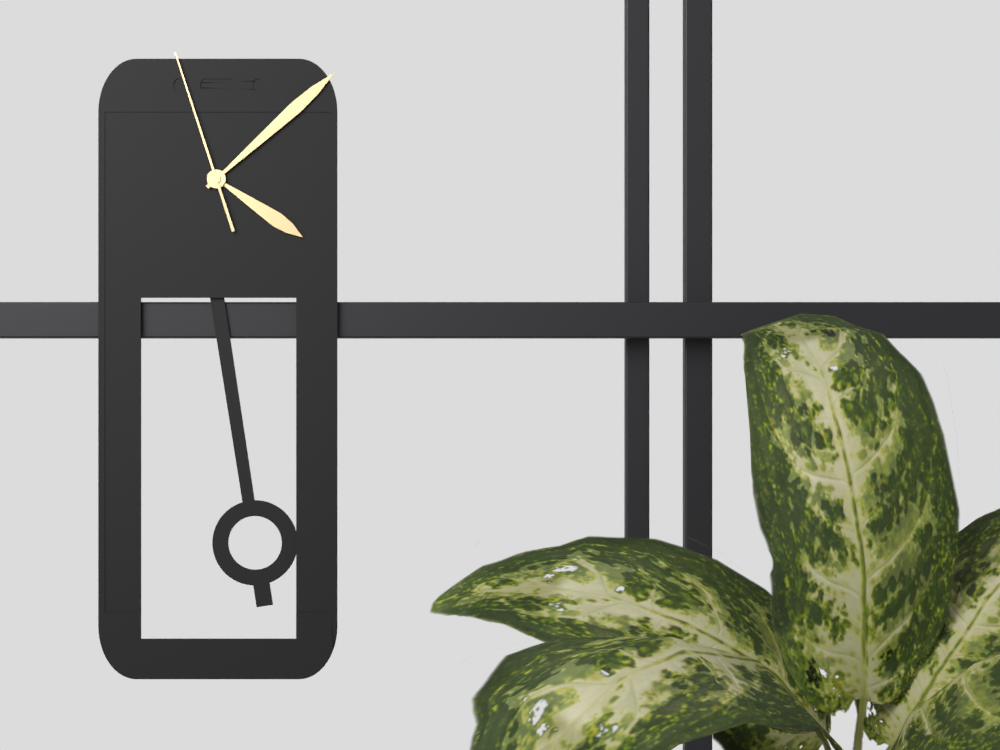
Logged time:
h=4 m=8 s=57
